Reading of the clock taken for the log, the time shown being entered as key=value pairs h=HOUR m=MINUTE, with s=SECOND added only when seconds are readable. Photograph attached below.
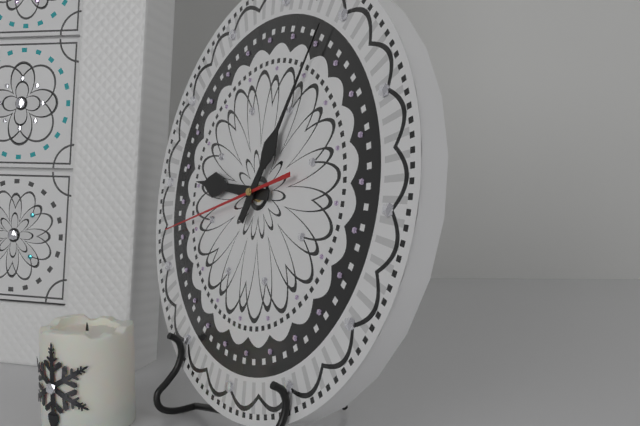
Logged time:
h=9 m=4 s=42
